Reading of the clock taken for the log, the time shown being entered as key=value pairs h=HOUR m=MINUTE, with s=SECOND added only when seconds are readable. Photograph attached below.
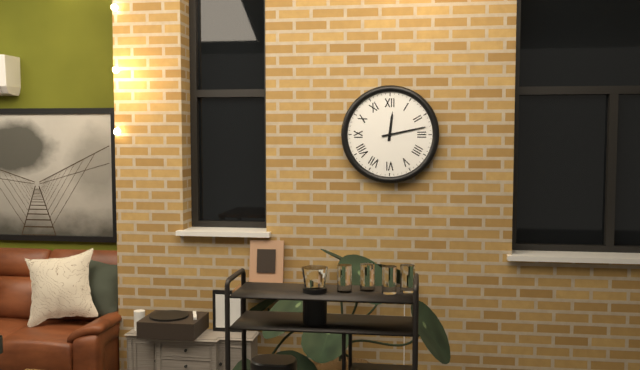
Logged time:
h=12 m=13
